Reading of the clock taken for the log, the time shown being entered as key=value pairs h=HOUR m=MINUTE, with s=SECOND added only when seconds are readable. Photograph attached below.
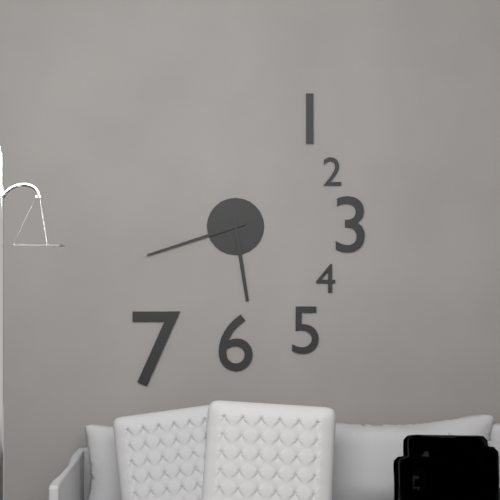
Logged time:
h=5 m=42
